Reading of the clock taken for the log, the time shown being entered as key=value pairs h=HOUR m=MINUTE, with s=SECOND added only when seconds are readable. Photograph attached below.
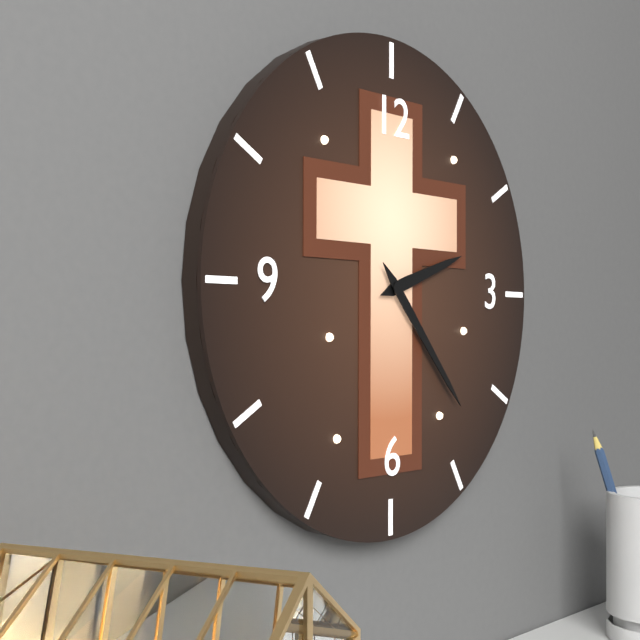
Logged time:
h=2 m=23
